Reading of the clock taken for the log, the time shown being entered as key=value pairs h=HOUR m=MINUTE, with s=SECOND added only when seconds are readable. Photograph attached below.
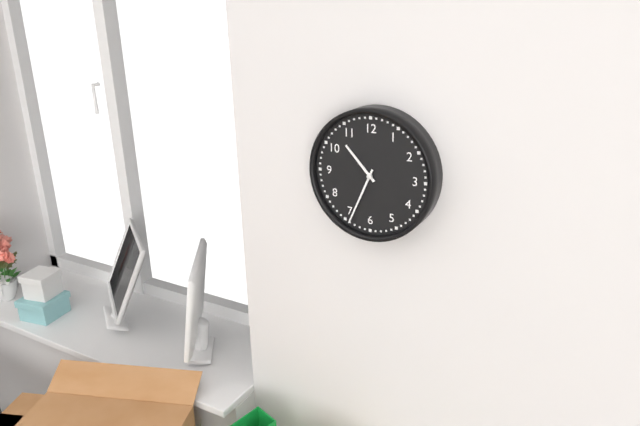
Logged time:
h=10 m=34
